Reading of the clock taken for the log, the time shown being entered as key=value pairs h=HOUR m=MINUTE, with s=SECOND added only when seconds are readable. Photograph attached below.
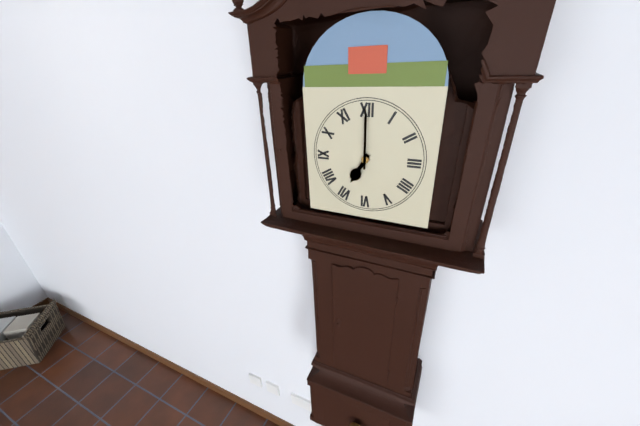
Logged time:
h=7 m=0
